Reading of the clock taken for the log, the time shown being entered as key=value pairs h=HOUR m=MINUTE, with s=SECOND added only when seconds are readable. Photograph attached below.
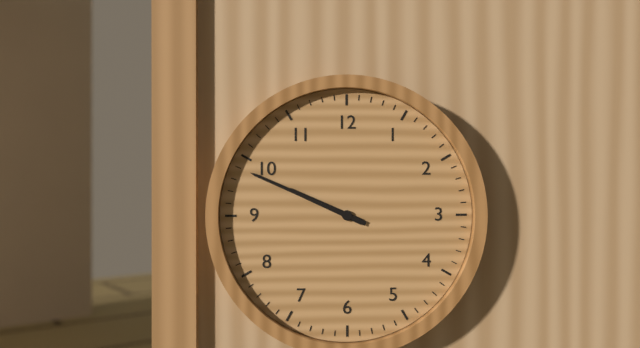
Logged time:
h=9 m=49
